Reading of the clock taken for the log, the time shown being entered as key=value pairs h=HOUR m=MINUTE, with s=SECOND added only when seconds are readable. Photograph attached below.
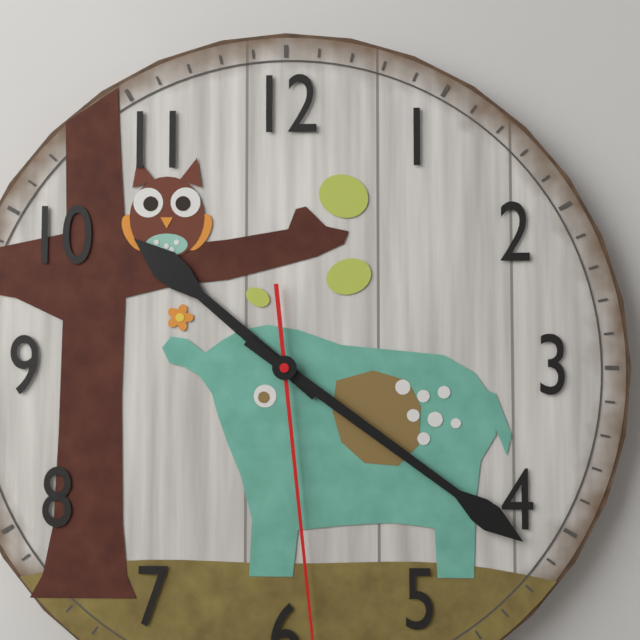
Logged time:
h=10 m=21
